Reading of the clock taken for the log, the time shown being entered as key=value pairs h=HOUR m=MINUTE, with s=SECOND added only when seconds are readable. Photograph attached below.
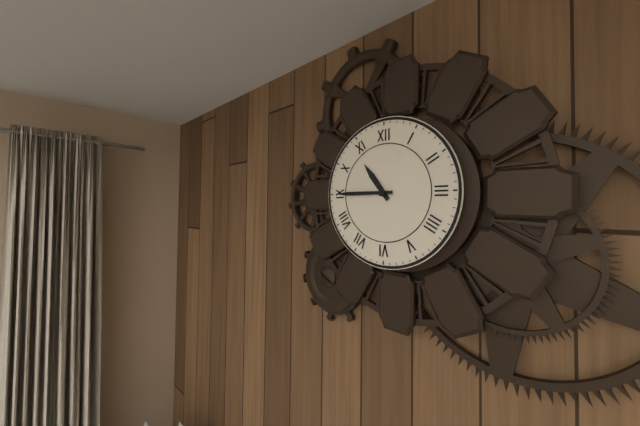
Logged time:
h=10 m=45
